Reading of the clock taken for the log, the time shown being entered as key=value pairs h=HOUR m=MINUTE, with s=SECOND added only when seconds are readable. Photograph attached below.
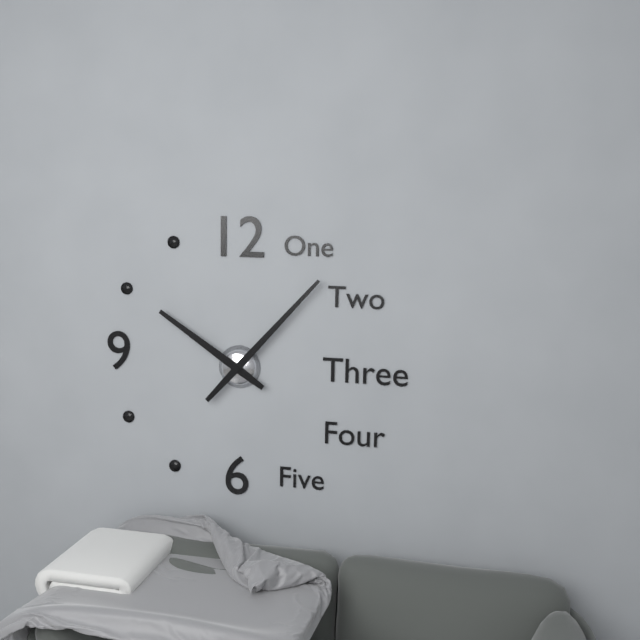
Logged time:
h=10 m=7
